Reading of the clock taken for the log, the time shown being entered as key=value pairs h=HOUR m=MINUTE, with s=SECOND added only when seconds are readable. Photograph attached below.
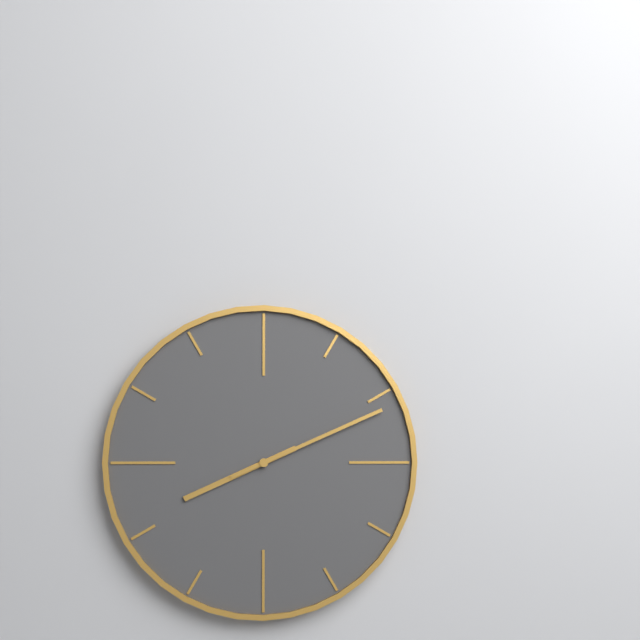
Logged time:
h=8 m=11
